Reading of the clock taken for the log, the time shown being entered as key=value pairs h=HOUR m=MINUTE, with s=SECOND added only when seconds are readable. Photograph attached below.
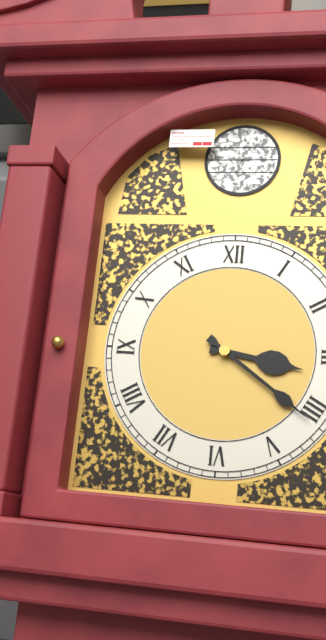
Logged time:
h=3 m=21
